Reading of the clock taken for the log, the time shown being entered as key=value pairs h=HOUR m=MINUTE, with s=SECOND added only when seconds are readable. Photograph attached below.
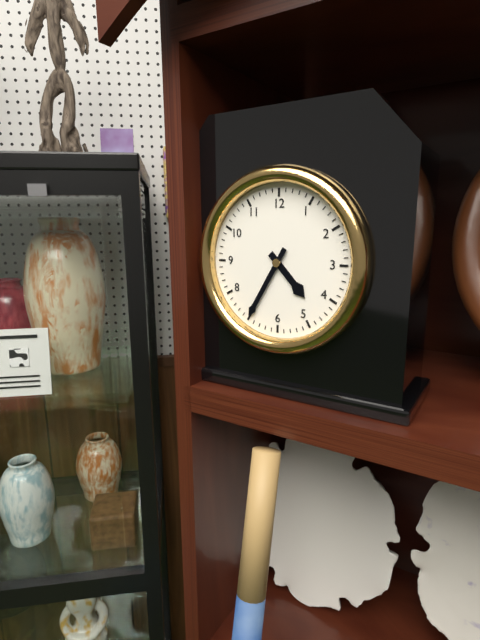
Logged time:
h=4 m=35
